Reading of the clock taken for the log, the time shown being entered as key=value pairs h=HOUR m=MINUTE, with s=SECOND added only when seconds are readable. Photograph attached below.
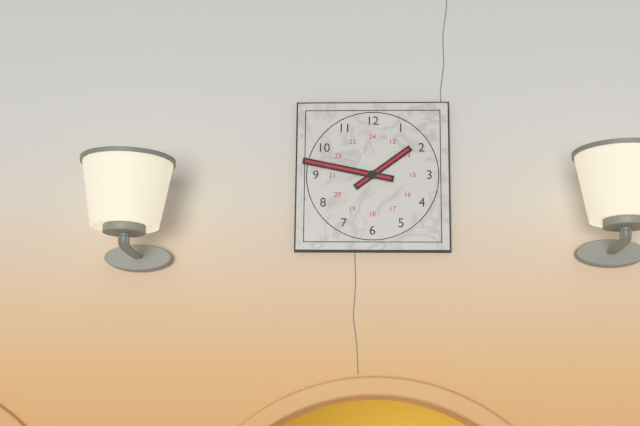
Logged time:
h=1 m=47
